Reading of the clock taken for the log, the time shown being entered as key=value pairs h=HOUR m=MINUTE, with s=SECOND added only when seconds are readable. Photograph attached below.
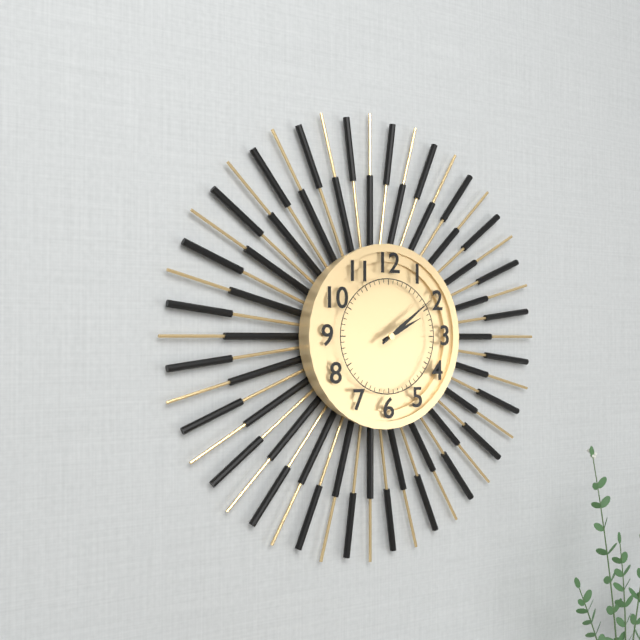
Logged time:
h=2 m=9
